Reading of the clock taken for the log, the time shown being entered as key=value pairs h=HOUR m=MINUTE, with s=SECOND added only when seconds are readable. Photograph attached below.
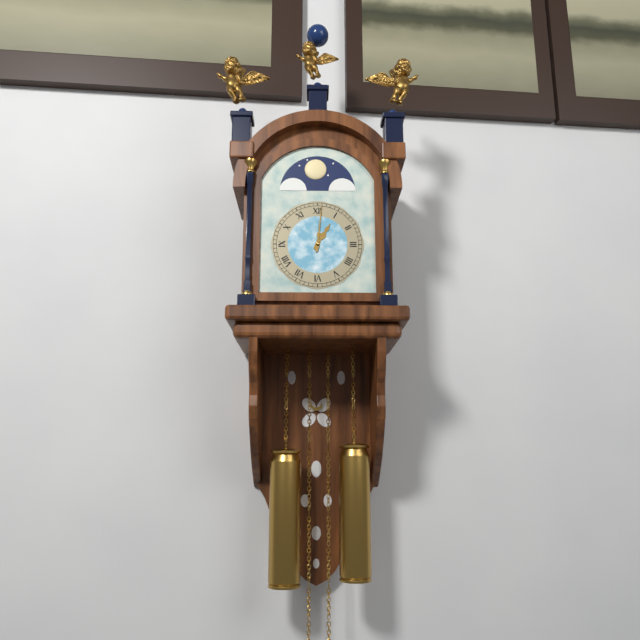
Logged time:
h=1 m=1
